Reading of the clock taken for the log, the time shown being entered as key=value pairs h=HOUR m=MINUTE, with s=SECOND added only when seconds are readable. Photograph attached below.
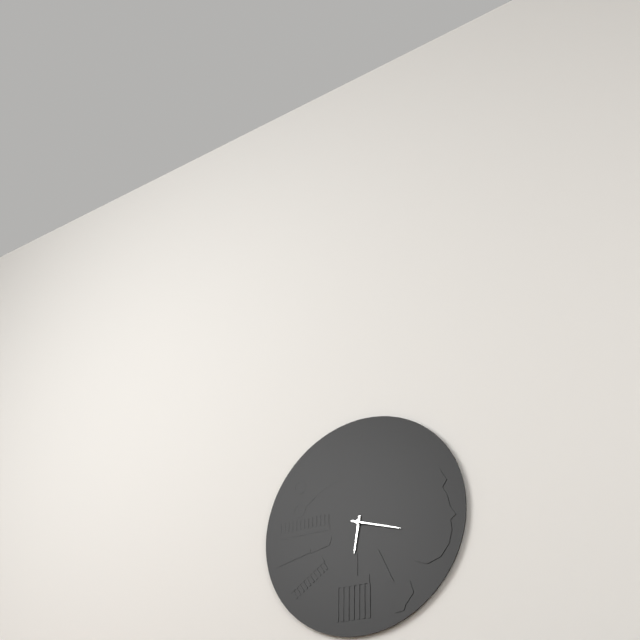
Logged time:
h=6 m=18
